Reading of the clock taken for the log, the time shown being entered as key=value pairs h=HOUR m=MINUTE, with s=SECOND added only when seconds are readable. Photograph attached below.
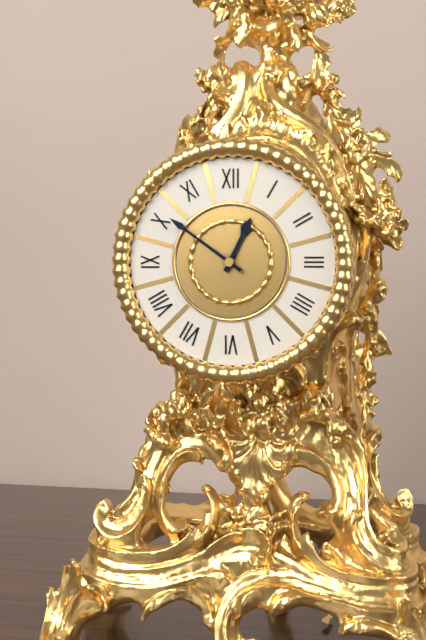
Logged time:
h=12 m=51
